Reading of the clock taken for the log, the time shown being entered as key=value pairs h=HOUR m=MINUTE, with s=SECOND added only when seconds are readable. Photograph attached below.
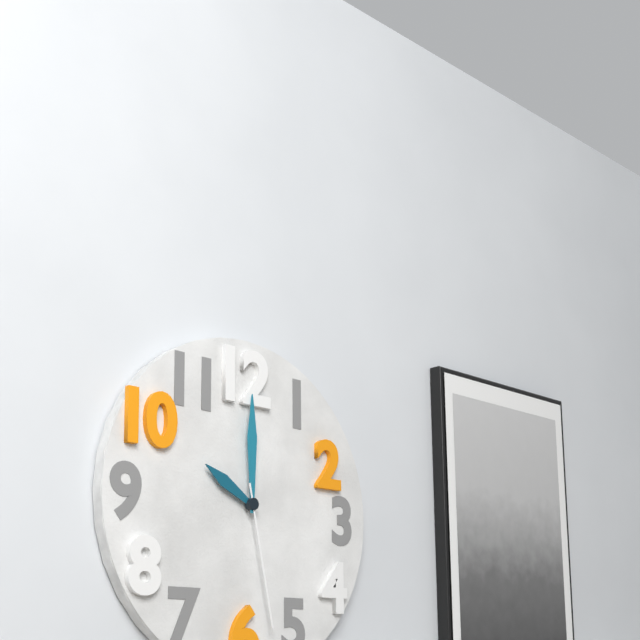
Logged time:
h=10 m=0 s=28
